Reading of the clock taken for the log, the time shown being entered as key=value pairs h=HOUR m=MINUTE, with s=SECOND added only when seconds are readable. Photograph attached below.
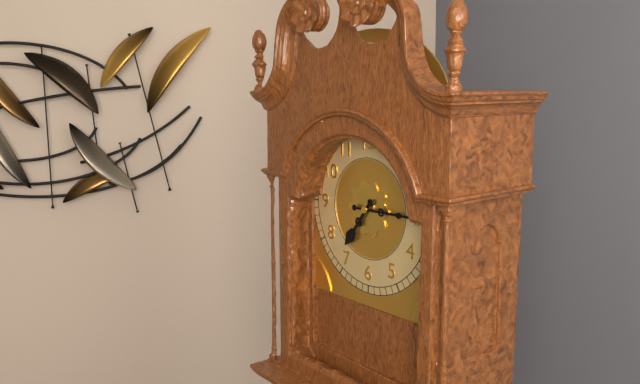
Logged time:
h=7 m=15
